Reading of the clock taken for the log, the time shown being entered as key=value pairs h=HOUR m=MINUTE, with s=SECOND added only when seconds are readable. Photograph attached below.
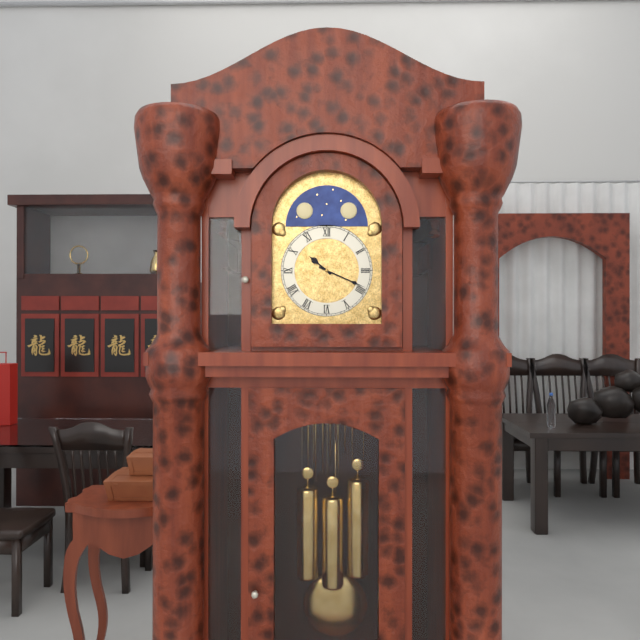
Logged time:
h=10 m=19
